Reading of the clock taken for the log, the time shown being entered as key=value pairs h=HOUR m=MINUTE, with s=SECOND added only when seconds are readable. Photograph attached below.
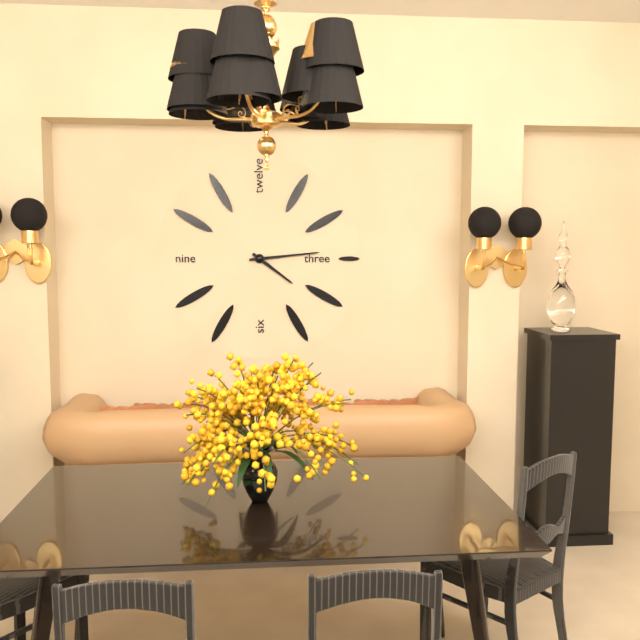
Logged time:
h=4 m=14
